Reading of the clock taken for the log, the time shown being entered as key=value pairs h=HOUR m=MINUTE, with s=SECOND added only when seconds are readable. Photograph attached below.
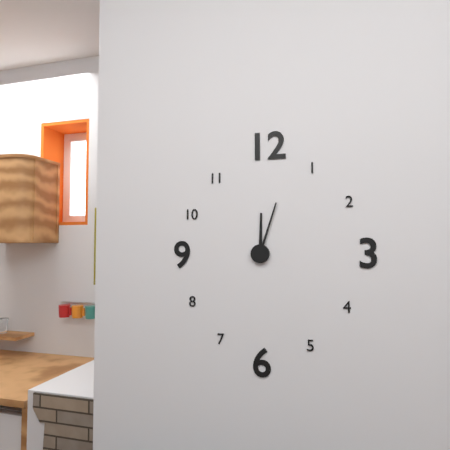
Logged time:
h=12 m=3
